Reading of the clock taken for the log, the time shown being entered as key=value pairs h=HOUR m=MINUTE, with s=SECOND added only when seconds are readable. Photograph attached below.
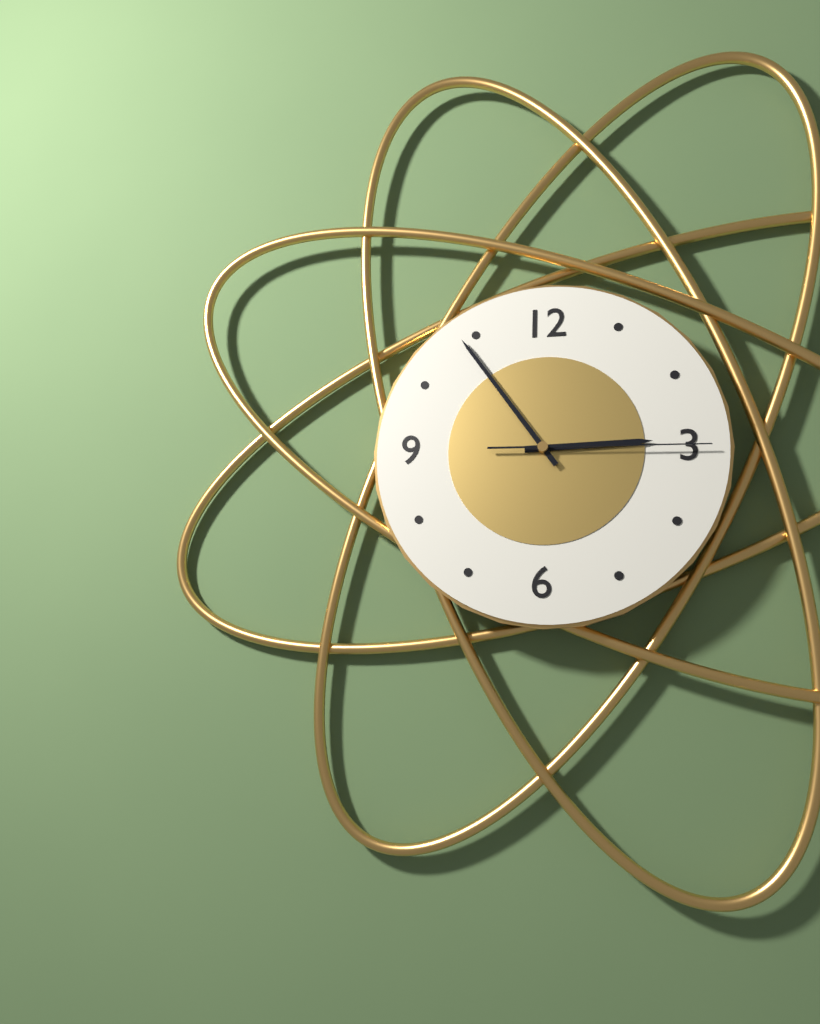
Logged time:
h=2 m=54 s=15
